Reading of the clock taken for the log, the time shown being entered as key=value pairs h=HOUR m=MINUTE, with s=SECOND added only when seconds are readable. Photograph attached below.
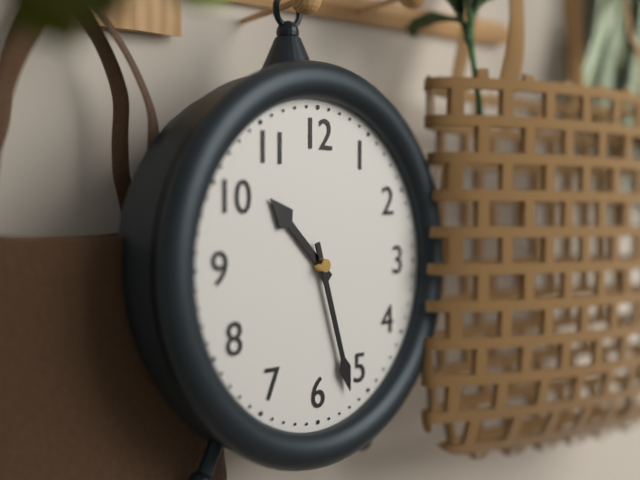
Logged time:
h=10 m=27
